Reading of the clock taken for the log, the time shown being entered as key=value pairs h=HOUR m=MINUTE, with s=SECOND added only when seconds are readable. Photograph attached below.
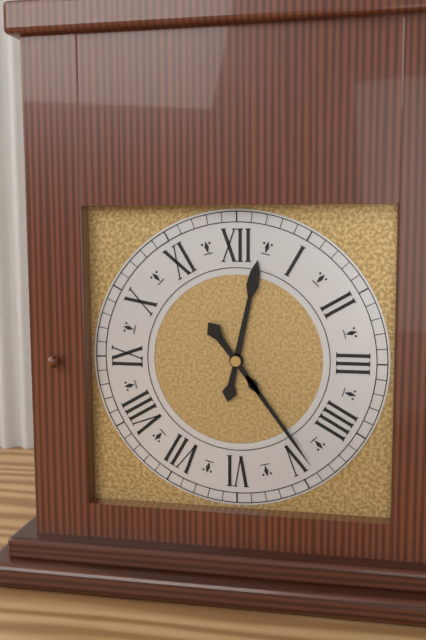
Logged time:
h=12 m=24
